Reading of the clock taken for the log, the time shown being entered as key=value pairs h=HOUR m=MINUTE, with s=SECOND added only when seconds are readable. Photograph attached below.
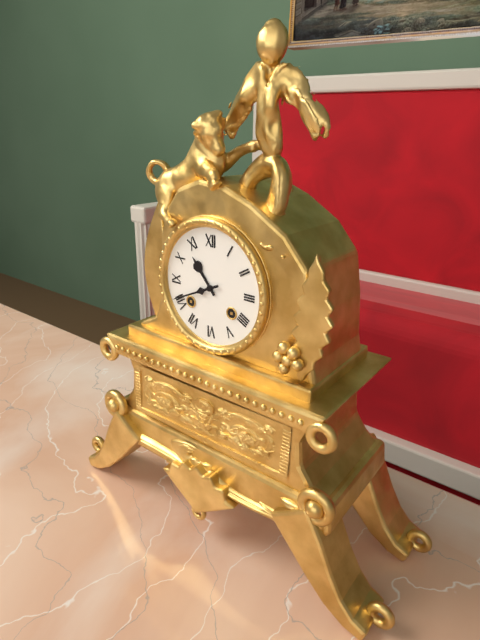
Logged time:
h=10 m=41
